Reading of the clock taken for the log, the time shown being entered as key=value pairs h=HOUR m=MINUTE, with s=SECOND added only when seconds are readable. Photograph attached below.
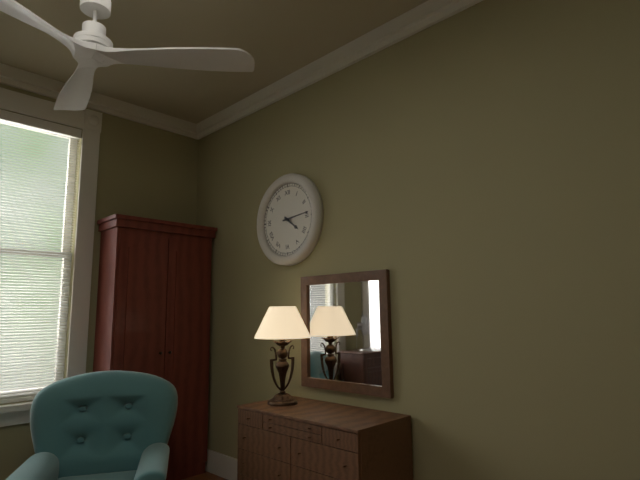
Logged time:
h=4 m=14
